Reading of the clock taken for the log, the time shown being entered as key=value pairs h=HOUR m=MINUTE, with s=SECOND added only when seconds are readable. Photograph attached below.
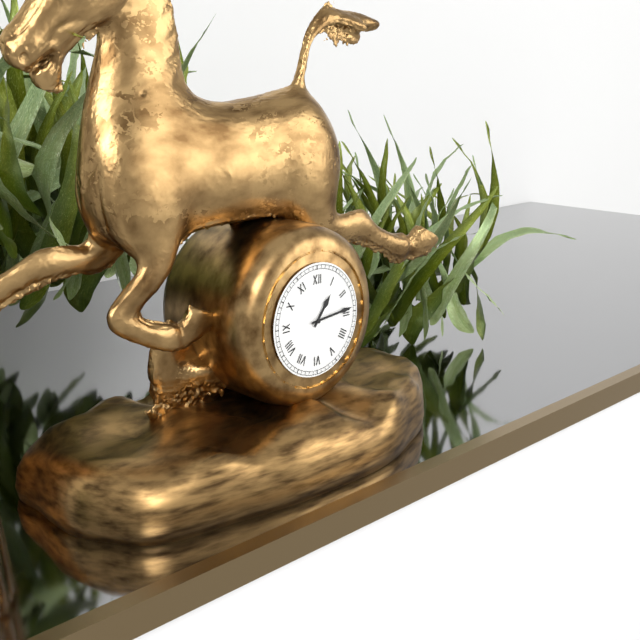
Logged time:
h=1 m=14
